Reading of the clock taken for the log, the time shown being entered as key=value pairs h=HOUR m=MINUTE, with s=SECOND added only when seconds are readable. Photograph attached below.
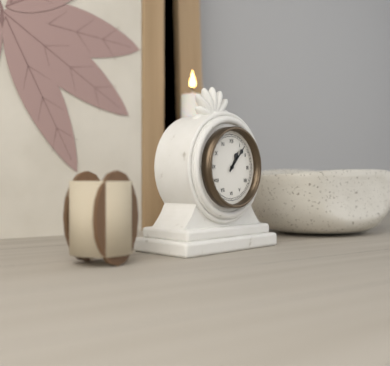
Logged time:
h=1 m=7
